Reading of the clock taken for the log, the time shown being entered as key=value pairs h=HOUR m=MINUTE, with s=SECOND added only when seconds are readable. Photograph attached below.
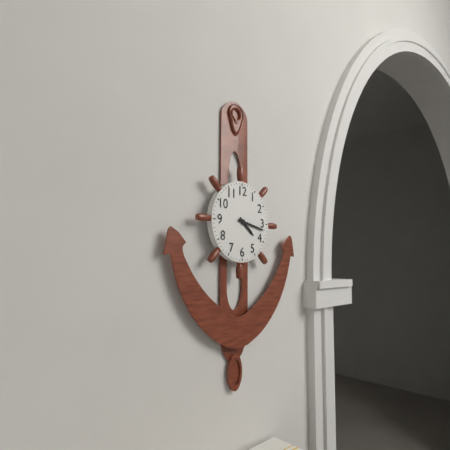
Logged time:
h=4 m=17
